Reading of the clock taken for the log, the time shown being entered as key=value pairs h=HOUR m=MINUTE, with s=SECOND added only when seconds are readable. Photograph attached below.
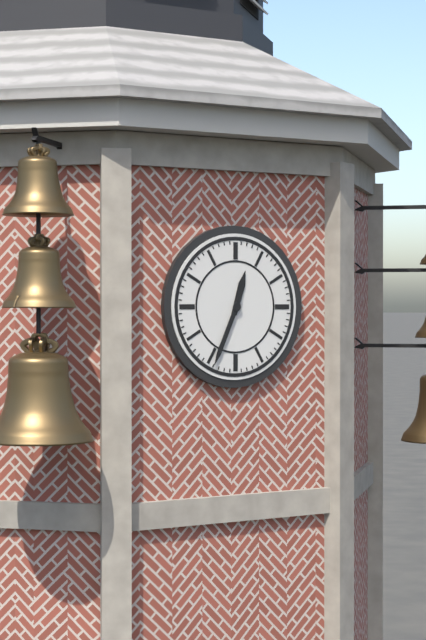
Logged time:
h=12 m=34
